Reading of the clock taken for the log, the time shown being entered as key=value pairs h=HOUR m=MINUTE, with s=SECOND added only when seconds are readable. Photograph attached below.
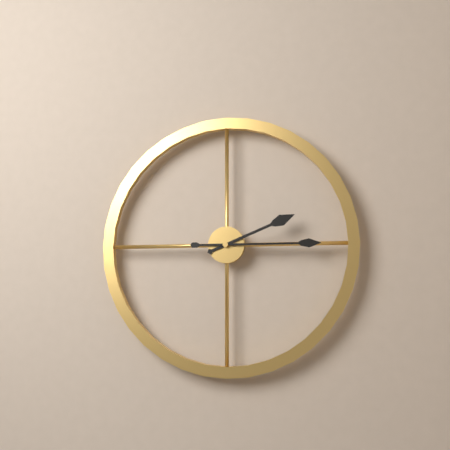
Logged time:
h=2 m=15
